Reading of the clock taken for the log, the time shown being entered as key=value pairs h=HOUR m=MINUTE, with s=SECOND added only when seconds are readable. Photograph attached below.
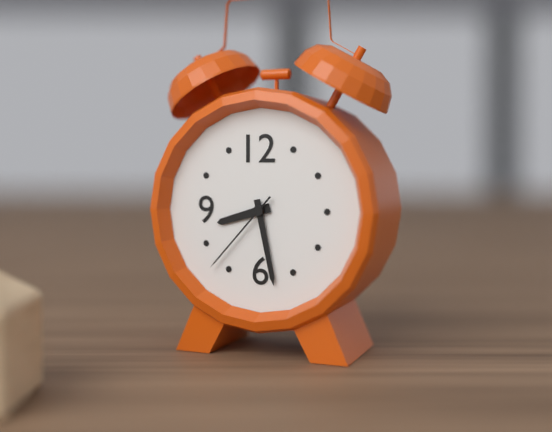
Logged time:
h=8 m=28 s=37
